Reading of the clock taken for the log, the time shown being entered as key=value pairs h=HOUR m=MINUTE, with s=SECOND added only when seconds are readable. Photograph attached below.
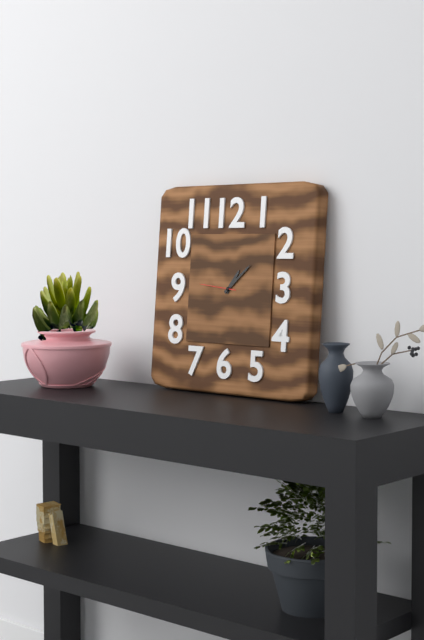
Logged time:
h=1 m=8
